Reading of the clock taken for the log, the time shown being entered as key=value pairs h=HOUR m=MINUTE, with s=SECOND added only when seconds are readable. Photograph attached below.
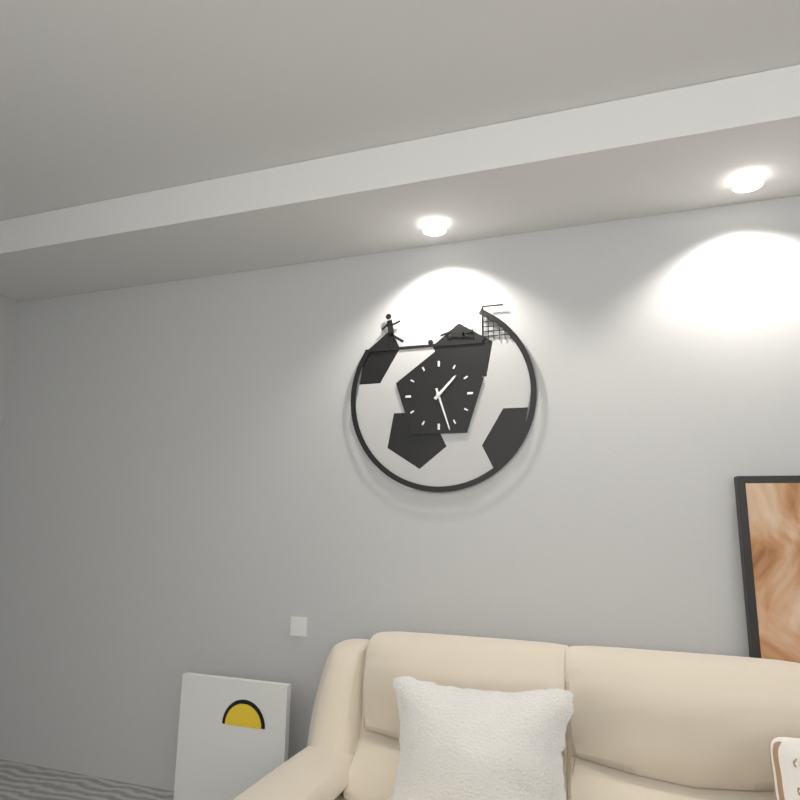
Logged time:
h=1 m=27
